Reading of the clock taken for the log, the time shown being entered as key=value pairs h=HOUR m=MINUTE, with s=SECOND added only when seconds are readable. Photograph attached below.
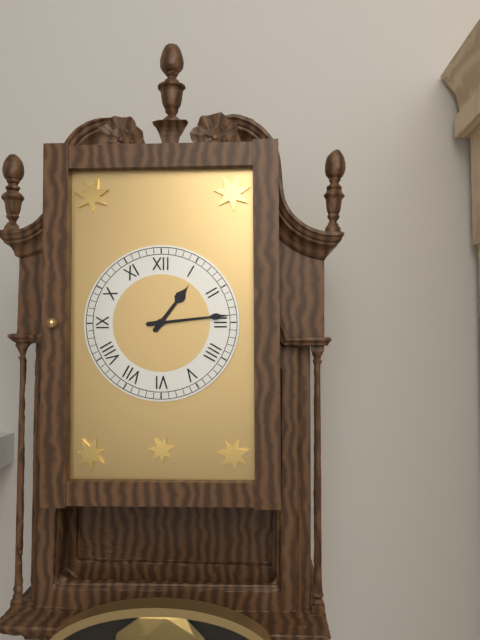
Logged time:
h=1 m=14
